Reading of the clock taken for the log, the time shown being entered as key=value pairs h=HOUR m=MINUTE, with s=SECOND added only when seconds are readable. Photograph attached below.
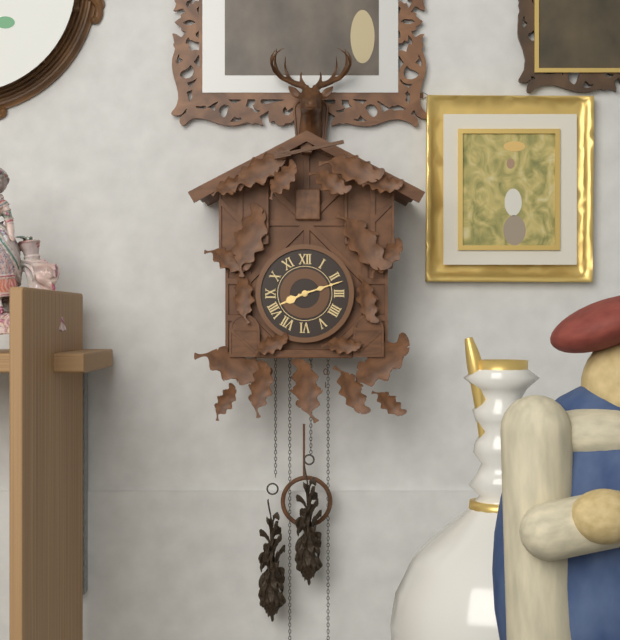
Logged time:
h=8 m=12
